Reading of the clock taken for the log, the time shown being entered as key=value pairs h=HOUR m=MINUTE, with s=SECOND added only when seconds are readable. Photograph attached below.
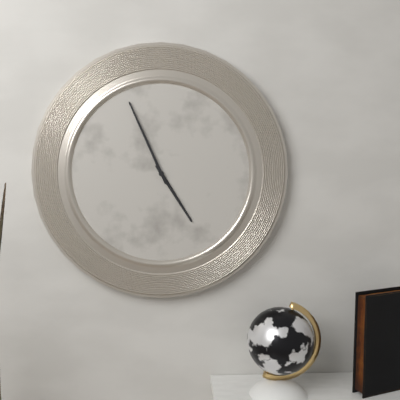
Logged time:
h=4 m=56
